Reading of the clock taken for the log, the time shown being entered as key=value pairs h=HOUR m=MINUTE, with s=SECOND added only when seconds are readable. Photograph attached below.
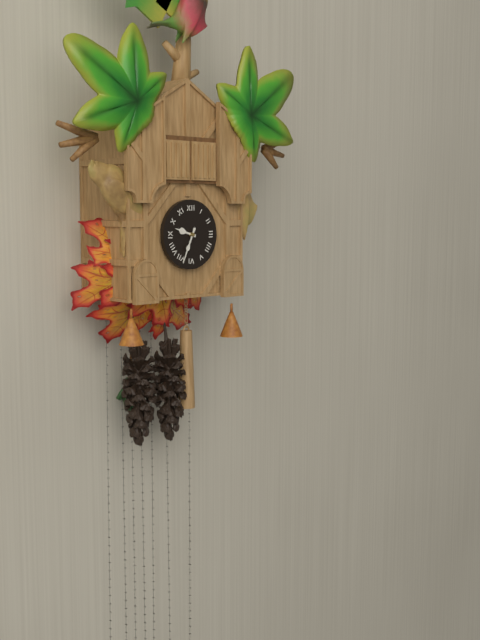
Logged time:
h=9 m=34
